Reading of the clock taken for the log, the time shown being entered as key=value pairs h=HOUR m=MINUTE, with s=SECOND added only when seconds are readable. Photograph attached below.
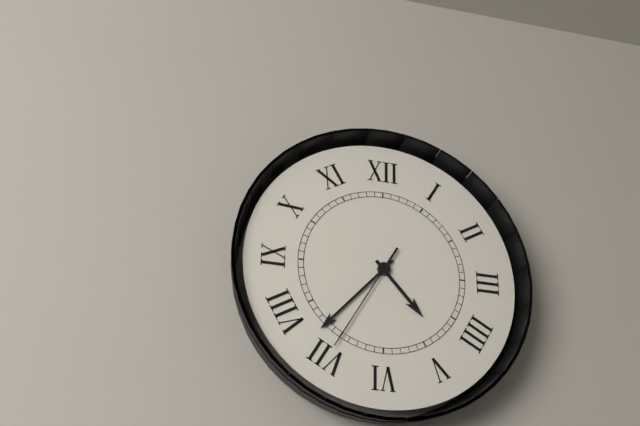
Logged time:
h=4 m=37 s=35
